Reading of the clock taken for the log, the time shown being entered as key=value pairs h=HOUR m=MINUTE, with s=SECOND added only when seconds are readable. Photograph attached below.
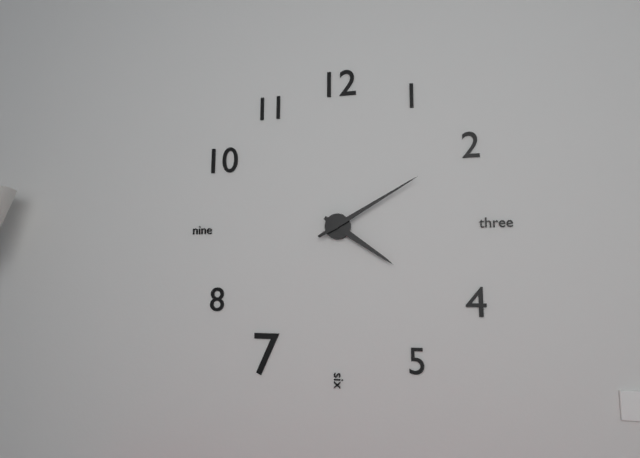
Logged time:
h=4 m=10
